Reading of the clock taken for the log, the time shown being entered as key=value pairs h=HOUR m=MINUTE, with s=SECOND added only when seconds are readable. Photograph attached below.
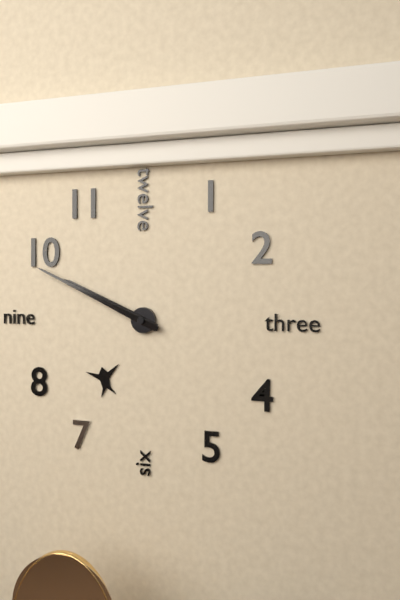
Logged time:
h=9 m=49
